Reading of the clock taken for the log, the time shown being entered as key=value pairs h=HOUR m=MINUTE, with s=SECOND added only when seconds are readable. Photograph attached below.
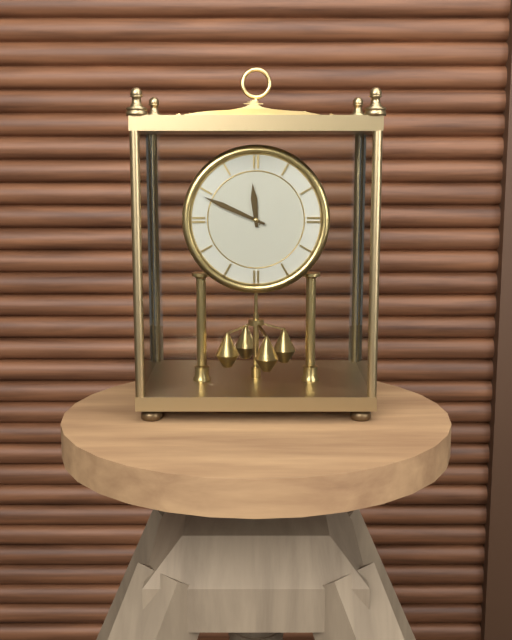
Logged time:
h=11 m=49
